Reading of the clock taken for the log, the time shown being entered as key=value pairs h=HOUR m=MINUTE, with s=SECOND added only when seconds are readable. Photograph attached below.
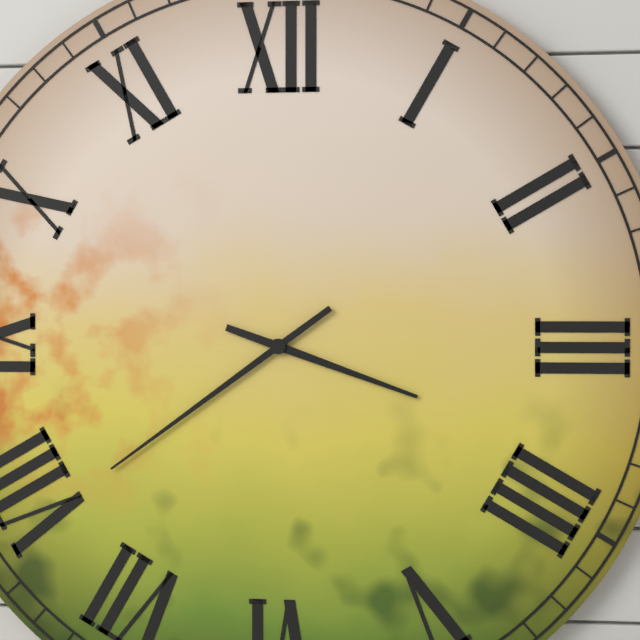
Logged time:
h=3 m=39
